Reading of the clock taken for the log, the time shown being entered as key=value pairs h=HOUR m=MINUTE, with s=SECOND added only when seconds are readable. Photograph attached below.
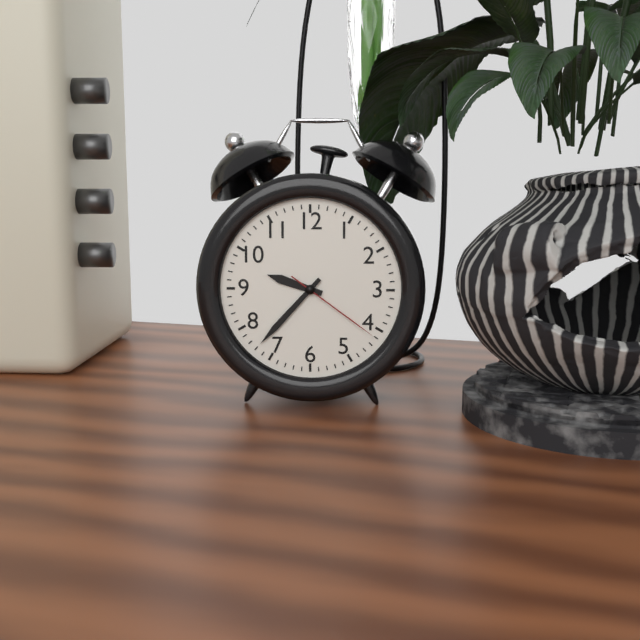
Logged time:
h=9 m=37 s=21
